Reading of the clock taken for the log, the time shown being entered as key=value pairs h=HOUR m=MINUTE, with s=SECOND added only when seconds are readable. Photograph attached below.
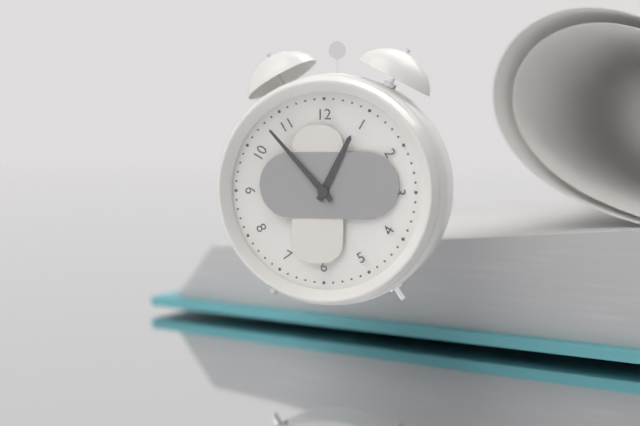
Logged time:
h=12 m=53
